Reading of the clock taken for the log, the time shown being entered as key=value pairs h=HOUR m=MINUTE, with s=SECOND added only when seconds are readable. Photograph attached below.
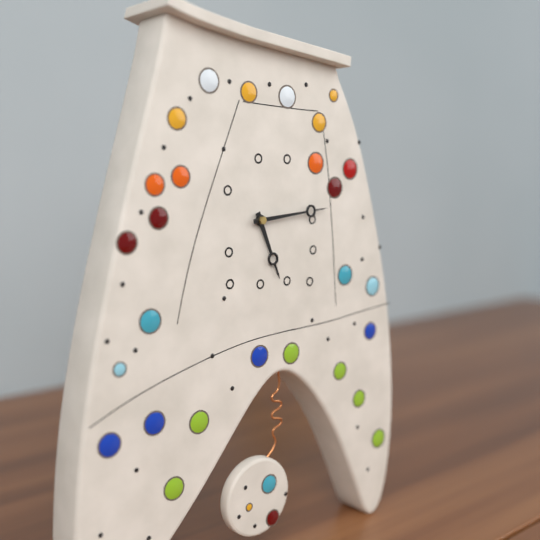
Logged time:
h=5 m=14
